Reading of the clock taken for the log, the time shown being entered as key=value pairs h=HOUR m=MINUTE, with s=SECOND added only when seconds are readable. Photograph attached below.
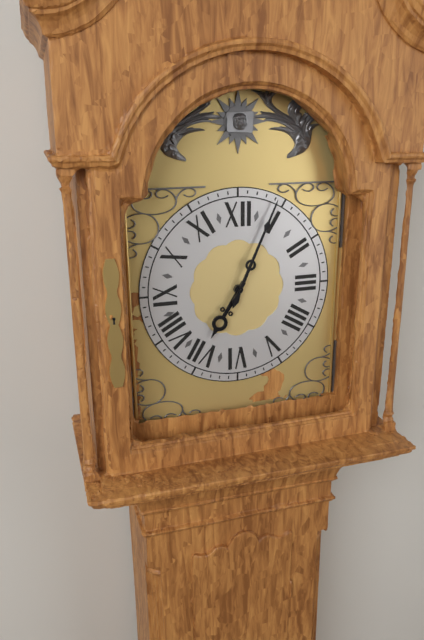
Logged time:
h=7 m=4
